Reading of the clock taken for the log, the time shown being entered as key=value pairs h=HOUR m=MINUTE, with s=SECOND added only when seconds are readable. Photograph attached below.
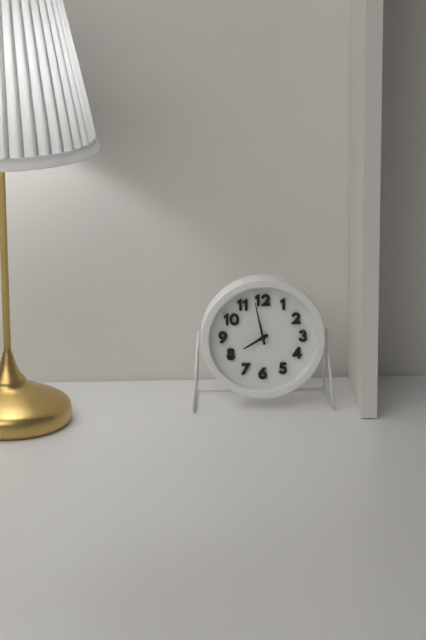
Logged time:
h=7 m=58
